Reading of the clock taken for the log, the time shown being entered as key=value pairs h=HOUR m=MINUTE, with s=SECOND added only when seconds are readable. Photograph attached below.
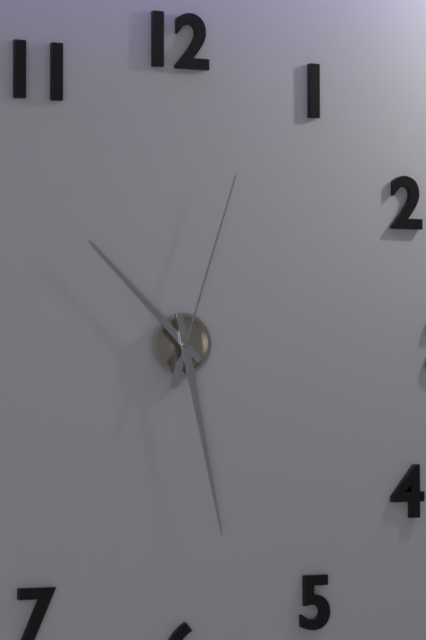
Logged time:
h=10 m=28 s=3
